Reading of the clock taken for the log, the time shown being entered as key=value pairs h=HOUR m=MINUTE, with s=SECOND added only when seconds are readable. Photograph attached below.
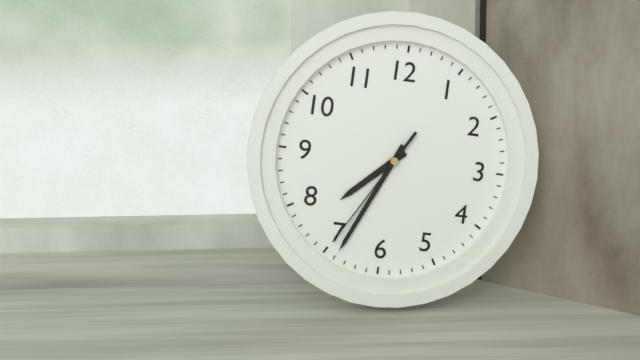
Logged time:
h=7 m=34 s=35
